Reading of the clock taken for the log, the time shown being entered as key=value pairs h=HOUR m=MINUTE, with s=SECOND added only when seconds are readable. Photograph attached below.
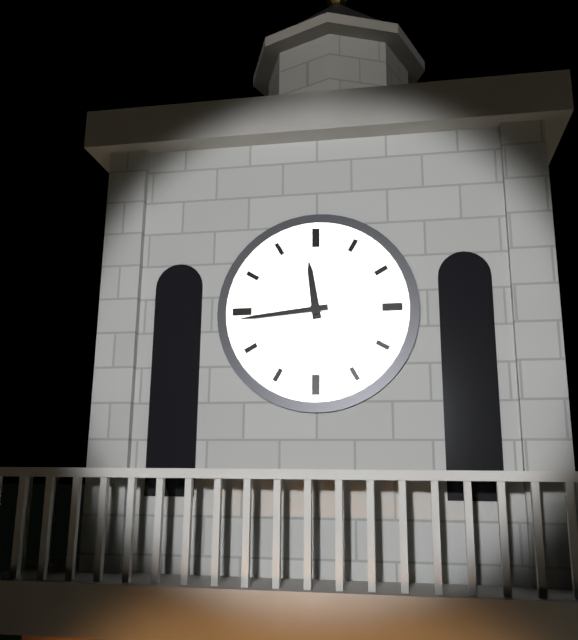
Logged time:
h=11 m=44
